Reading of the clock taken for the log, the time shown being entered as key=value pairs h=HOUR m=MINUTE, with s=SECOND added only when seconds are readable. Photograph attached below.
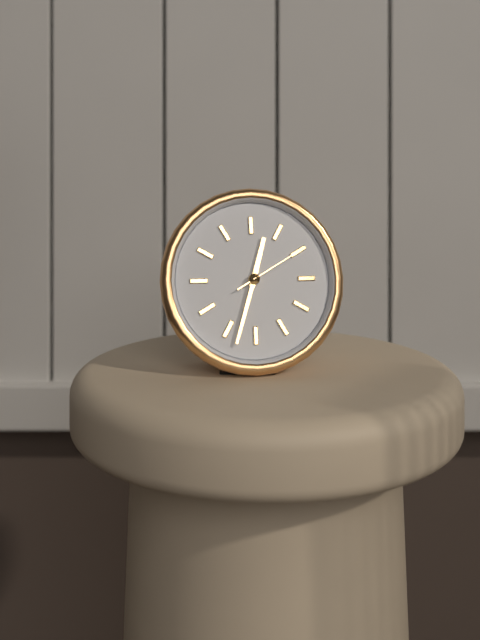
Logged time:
h=12 m=33 s=10
